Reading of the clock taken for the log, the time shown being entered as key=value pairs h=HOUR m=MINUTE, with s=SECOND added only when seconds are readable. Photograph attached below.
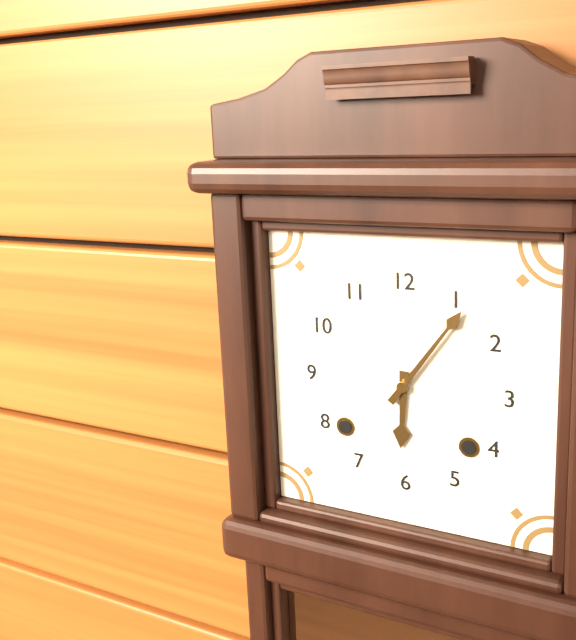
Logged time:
h=6 m=6
